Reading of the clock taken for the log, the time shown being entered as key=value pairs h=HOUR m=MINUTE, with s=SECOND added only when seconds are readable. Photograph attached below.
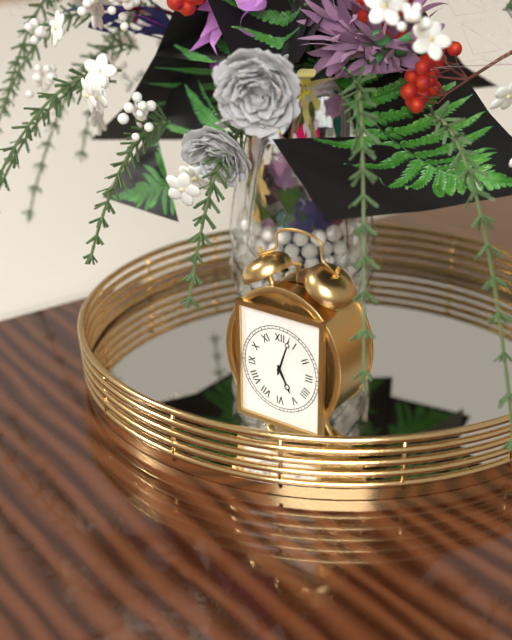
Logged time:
h=5 m=3
